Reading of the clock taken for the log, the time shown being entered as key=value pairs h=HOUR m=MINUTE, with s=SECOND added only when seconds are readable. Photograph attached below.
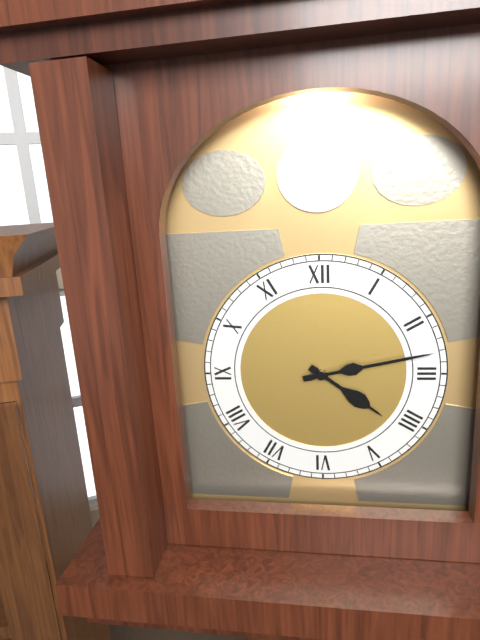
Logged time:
h=4 m=13
